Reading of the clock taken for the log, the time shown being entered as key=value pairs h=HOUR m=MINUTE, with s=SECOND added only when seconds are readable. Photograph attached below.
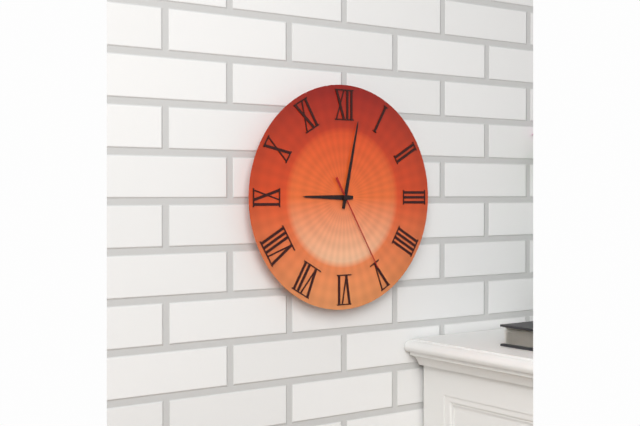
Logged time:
h=9 m=2 s=25
